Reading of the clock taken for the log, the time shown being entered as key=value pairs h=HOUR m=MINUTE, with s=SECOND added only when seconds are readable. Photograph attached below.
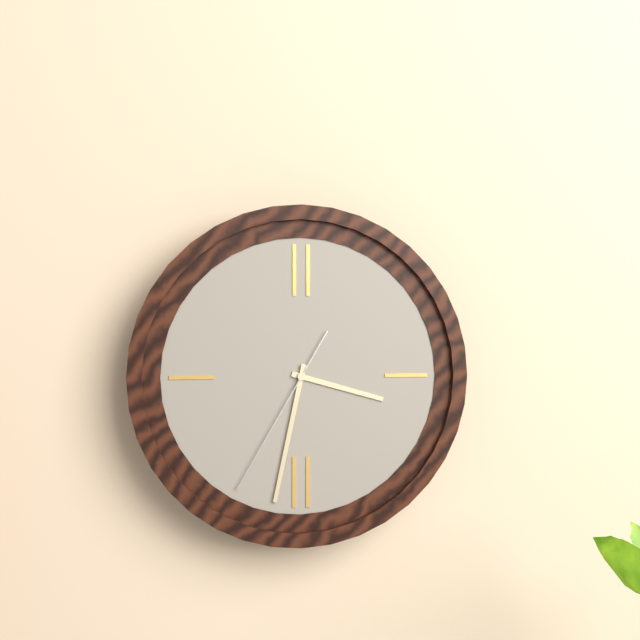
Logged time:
h=3 m=32 s=35
